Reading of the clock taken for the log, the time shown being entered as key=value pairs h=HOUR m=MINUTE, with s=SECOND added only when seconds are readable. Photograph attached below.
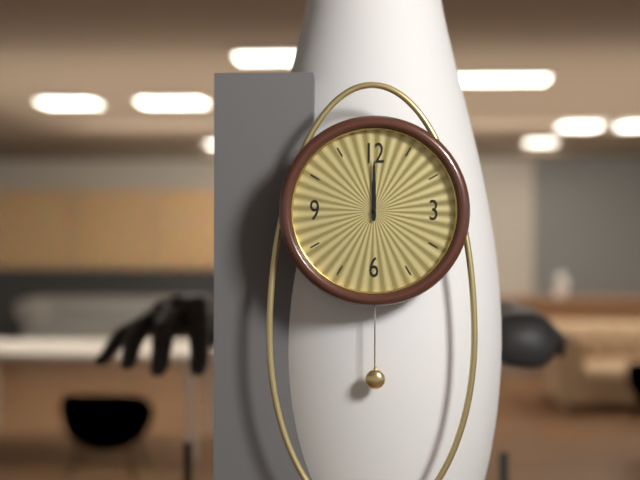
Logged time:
h=12 m=0
